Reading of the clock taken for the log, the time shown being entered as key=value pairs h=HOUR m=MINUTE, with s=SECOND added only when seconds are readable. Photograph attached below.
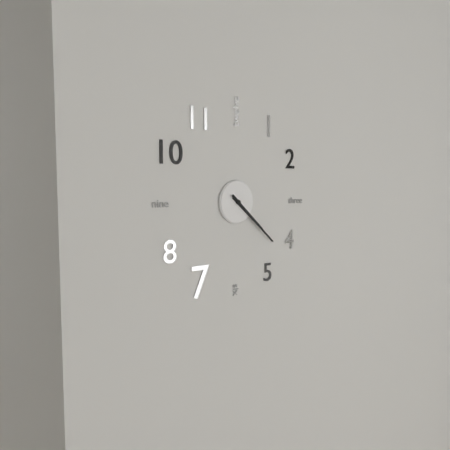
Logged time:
h=4 m=22
